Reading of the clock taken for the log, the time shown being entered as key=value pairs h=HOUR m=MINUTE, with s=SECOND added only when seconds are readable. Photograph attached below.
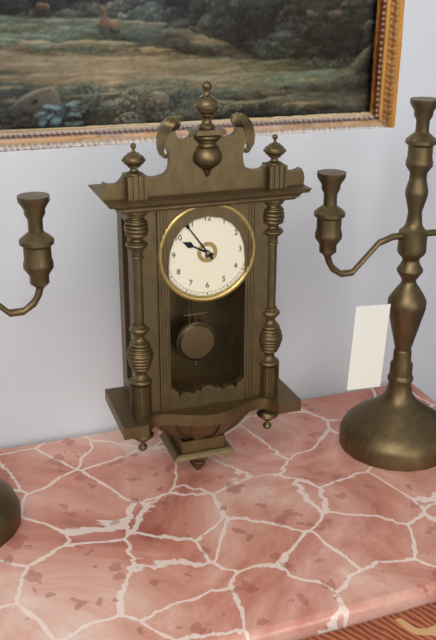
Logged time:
h=9 m=54
